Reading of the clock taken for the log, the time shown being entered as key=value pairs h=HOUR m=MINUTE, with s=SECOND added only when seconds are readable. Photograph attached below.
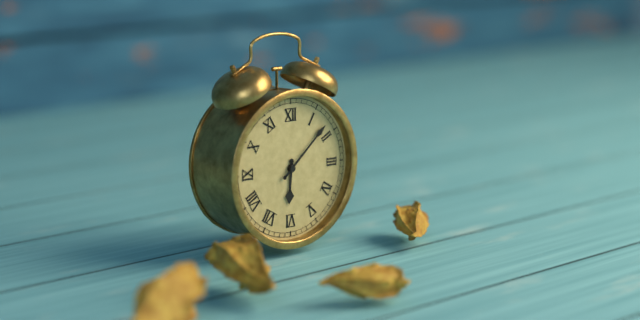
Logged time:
h=6 m=8
